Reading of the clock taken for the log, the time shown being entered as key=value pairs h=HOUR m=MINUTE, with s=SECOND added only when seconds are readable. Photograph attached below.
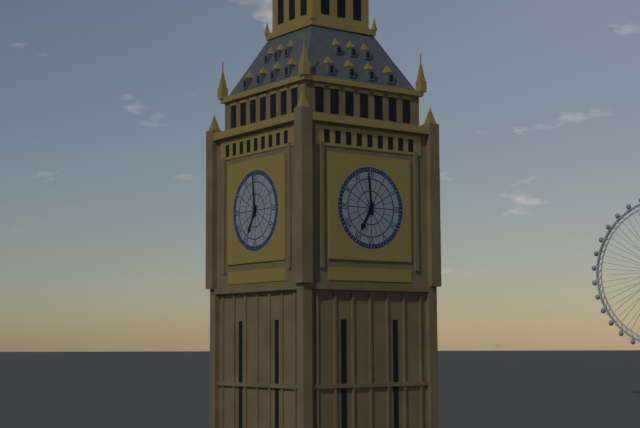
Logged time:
h=6 m=59
